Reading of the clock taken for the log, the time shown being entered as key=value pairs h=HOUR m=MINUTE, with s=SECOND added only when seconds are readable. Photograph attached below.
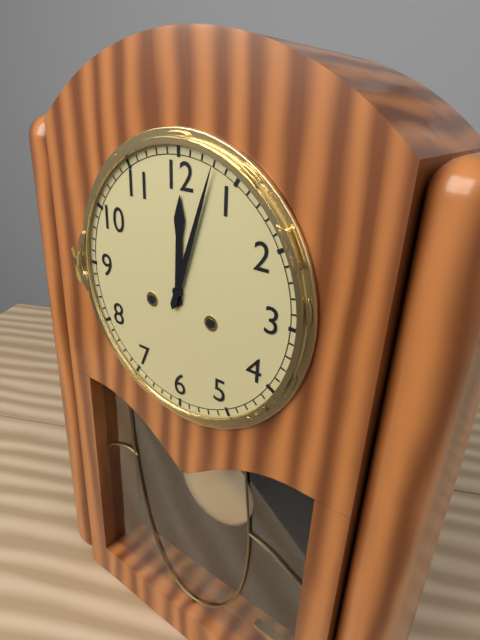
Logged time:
h=12 m=3
